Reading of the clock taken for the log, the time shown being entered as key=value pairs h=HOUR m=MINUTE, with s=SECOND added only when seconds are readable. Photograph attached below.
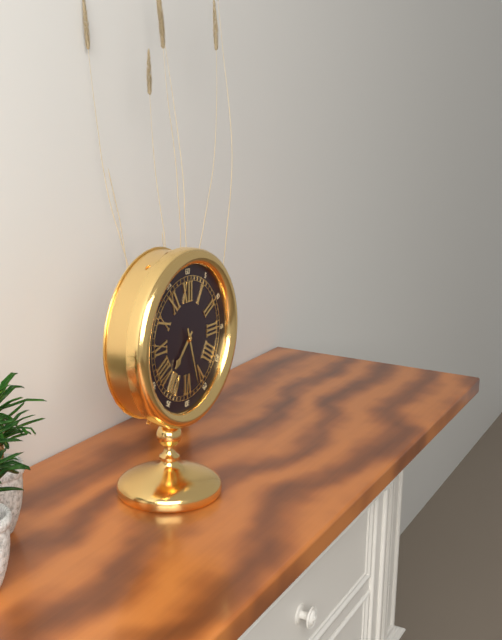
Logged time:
h=7 m=27
